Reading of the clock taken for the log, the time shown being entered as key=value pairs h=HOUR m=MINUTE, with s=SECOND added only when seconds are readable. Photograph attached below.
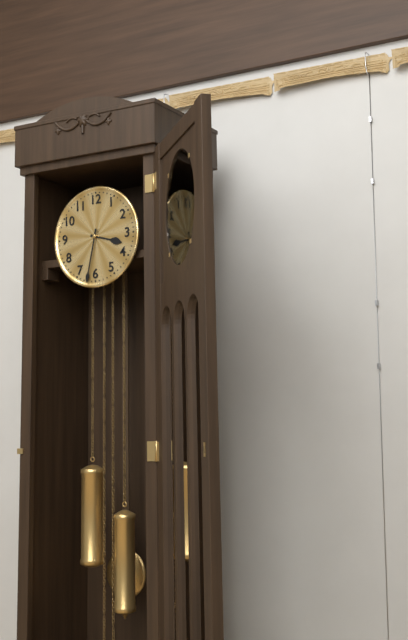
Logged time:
h=3 m=32
